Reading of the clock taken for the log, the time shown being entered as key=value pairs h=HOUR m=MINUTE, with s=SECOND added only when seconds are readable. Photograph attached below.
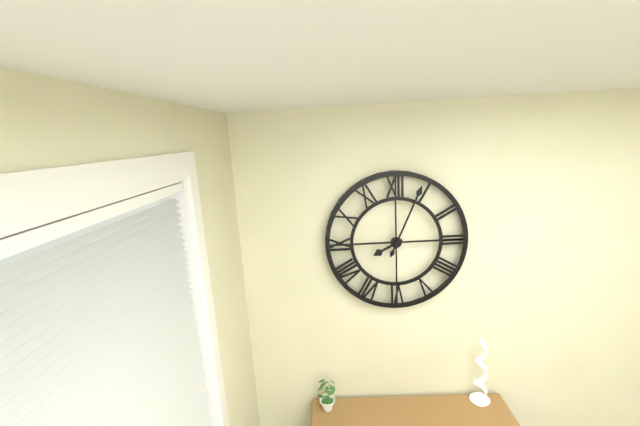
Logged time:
h=8 m=4
